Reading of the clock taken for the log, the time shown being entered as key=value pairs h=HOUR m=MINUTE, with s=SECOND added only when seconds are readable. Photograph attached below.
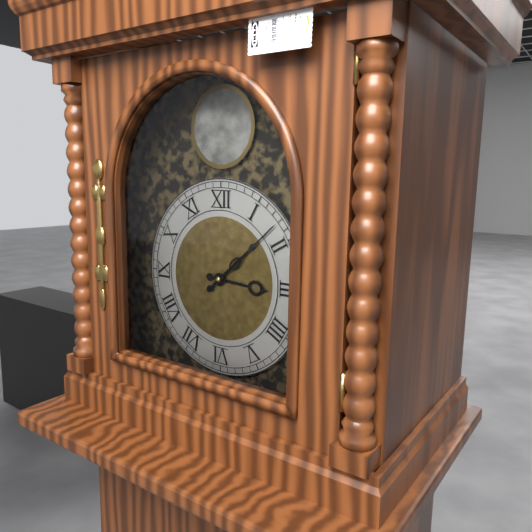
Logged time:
h=3 m=8
